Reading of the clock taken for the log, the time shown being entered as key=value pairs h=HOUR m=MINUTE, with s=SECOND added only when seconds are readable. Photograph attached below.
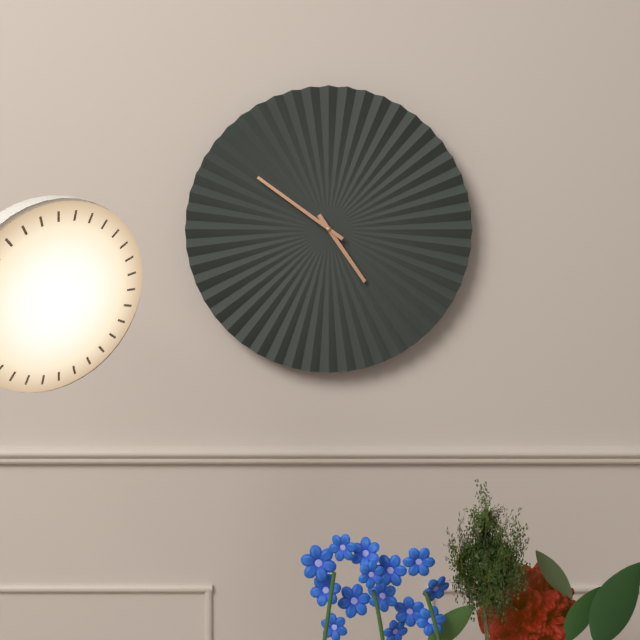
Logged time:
h=4 m=51
